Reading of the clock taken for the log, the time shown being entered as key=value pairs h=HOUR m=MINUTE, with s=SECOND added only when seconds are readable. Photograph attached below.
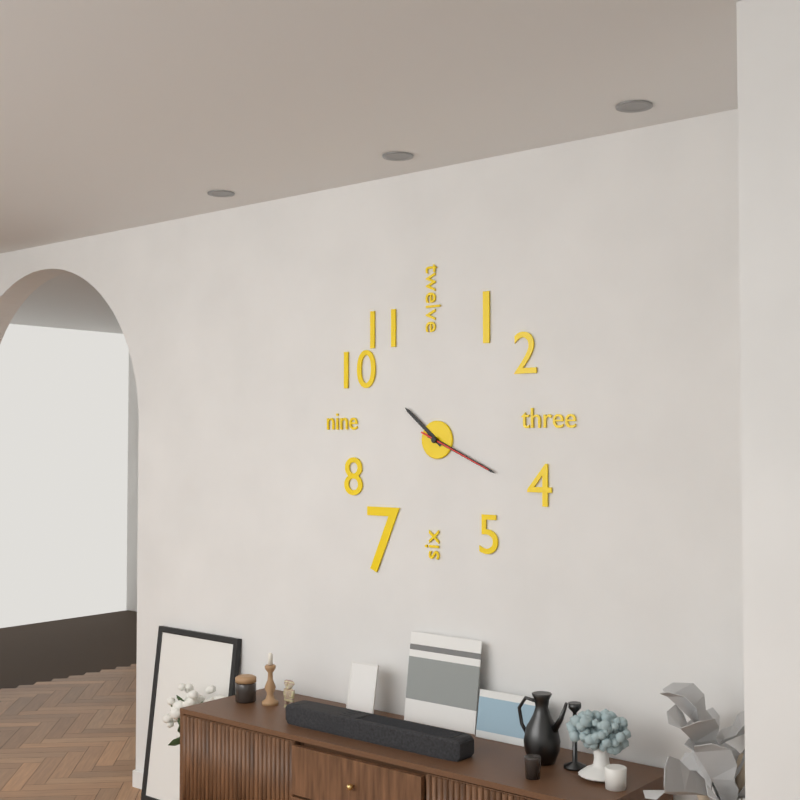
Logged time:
h=10 m=19 s=19
